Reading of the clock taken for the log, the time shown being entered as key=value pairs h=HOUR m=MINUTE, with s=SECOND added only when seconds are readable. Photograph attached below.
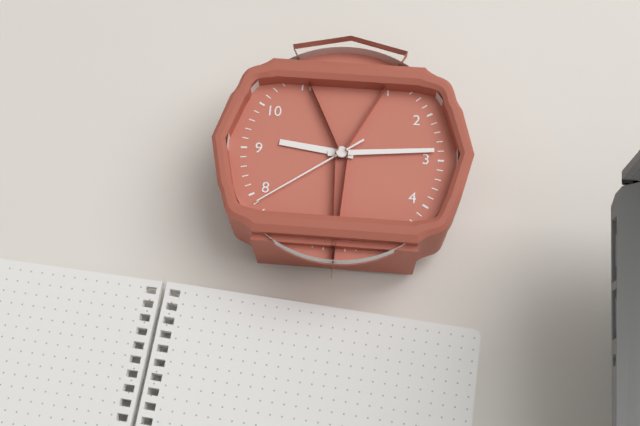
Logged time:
h=9 m=14 s=39
